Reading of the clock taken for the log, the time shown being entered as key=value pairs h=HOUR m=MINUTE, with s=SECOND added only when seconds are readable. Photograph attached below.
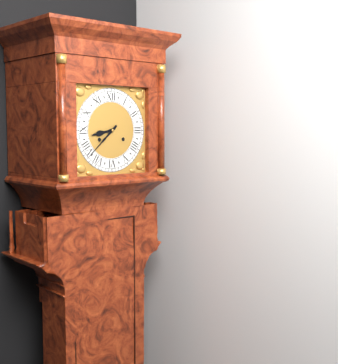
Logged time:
h=8 m=38
